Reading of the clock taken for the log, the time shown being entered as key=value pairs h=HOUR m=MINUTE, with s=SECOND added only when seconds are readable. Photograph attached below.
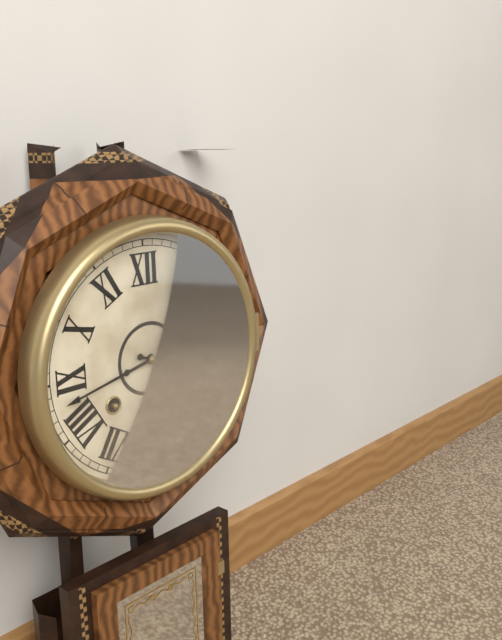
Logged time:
h=3 m=43
